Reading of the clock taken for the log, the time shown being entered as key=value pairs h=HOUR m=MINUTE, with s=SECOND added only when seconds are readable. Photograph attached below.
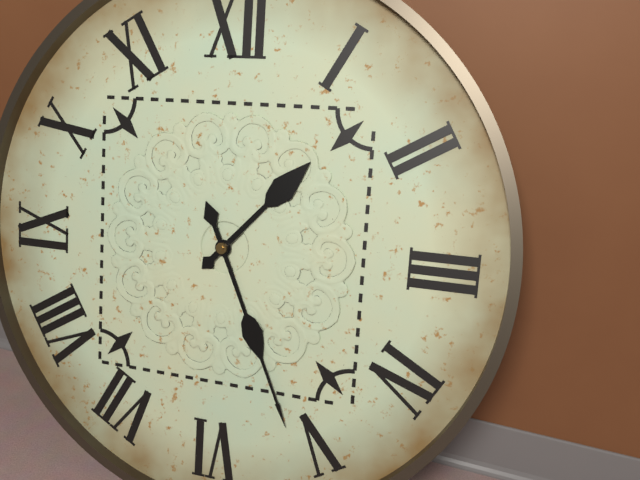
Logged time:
h=1 m=26
